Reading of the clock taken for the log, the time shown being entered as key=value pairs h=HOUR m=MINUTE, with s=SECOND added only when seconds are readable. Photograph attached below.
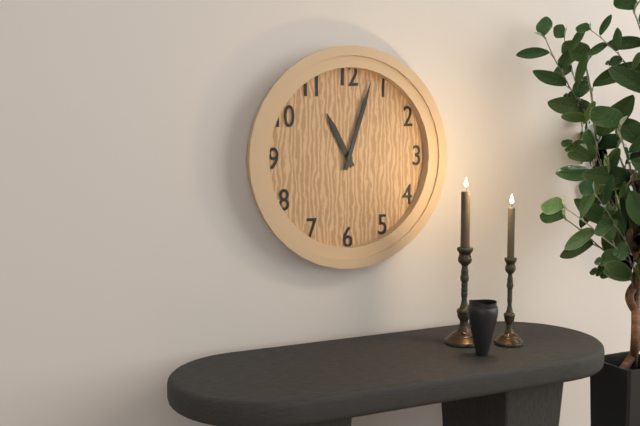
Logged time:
h=11 m=3
